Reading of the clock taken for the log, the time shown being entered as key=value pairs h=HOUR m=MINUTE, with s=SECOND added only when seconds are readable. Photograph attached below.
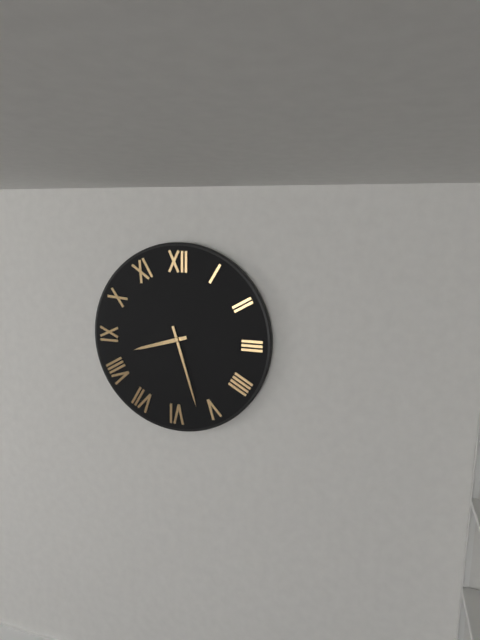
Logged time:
h=8 m=27
